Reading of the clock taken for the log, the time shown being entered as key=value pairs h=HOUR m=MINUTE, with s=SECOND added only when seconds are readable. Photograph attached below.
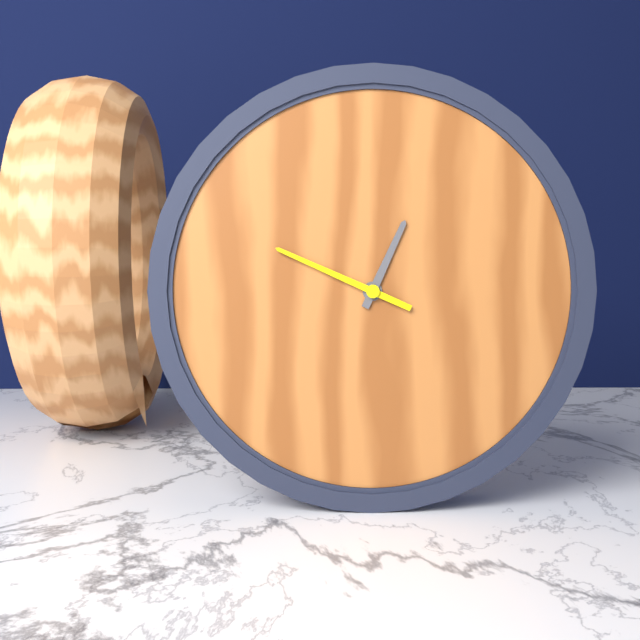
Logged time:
h=12 m=49
